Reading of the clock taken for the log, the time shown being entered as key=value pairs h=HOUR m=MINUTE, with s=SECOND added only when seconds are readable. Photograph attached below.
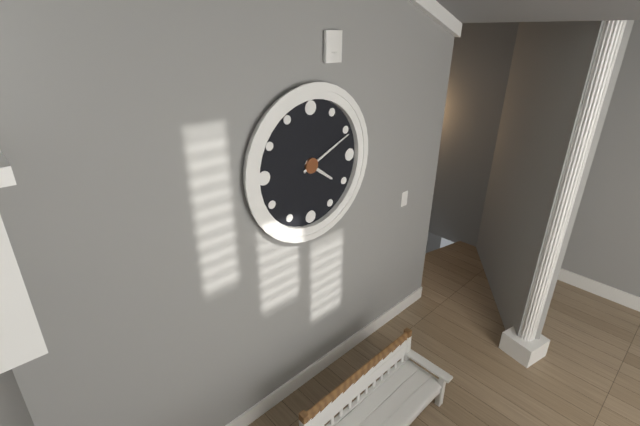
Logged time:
h=4 m=11
